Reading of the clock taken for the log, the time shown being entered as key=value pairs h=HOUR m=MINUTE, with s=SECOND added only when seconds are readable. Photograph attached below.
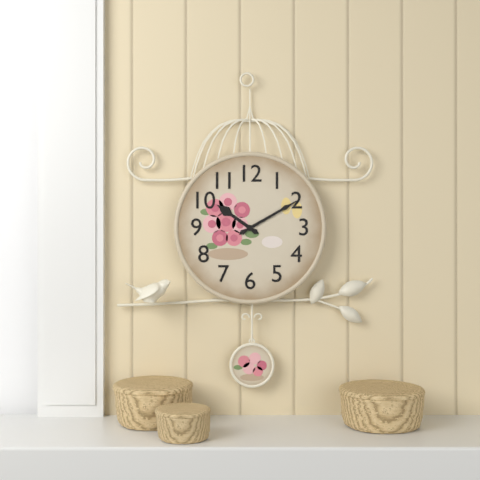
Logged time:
h=10 m=10
